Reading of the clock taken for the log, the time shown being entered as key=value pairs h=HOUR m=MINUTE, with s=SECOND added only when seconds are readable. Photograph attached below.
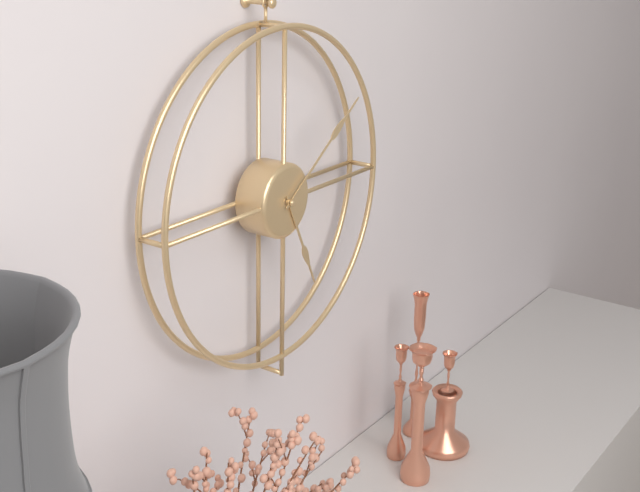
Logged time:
h=5 m=9
